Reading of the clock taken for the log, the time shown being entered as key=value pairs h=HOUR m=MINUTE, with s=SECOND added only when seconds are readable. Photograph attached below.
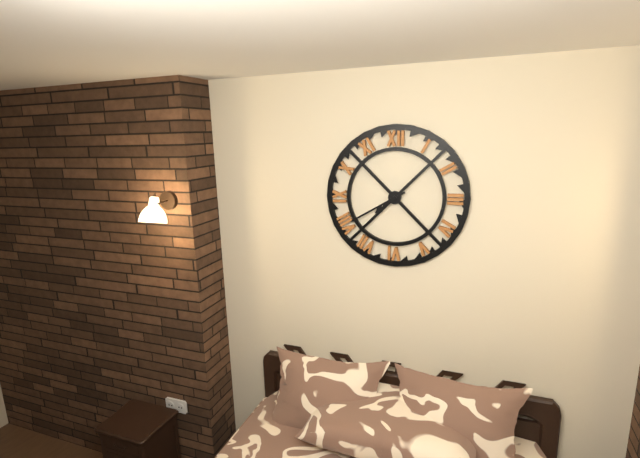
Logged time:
h=7 m=40
